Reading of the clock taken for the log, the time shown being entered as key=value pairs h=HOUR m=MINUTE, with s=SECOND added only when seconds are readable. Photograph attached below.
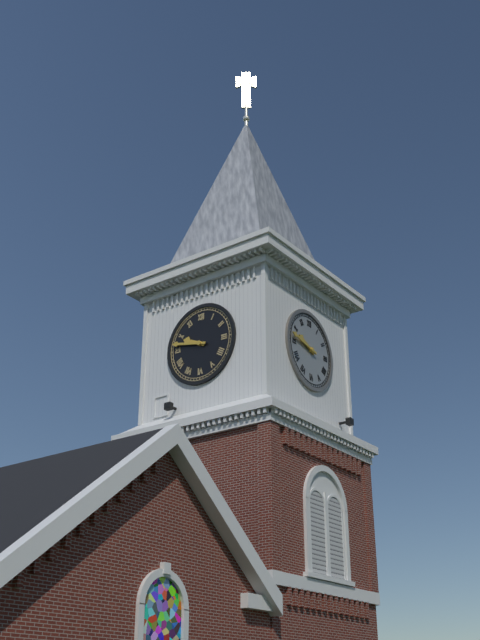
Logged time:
h=9 m=47
